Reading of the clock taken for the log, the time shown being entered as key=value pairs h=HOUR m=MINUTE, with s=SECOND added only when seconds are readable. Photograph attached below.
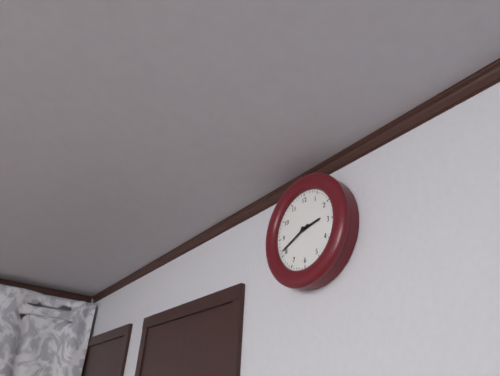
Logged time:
h=2 m=41
